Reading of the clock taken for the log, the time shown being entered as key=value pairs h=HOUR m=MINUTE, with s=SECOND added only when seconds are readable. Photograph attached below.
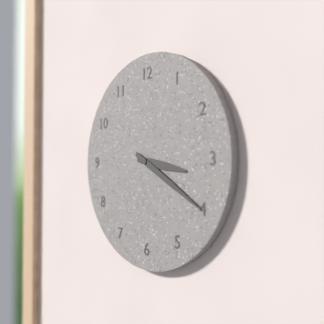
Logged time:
h=3 m=20
